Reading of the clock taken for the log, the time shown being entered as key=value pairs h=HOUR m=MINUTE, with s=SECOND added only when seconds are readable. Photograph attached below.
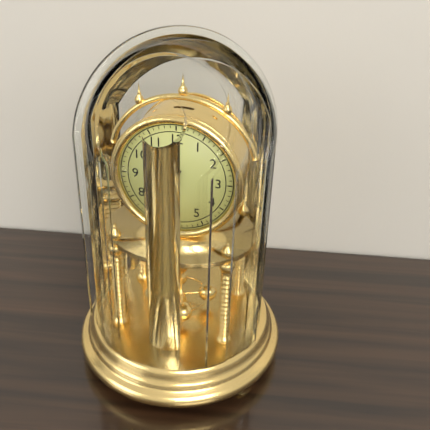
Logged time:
h=11 m=34
